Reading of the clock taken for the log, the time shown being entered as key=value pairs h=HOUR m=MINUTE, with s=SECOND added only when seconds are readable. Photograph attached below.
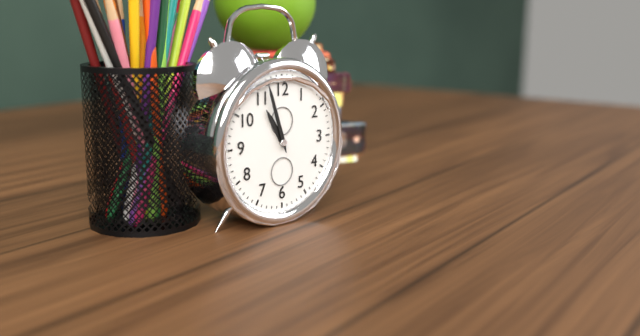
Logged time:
h=10 m=57
